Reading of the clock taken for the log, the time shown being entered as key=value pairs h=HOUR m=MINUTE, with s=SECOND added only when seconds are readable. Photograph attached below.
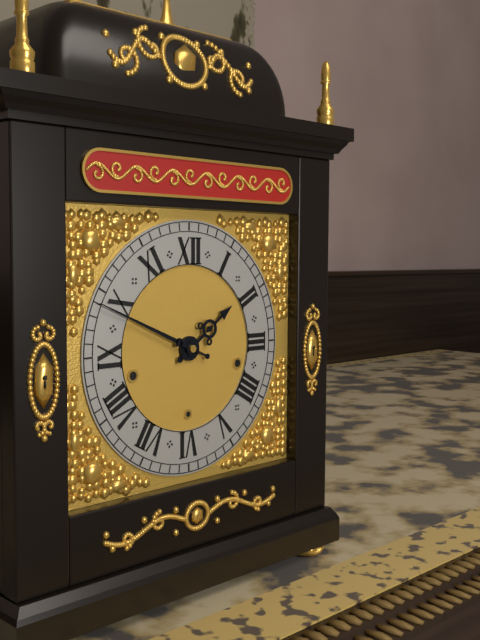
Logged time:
h=1 m=49
